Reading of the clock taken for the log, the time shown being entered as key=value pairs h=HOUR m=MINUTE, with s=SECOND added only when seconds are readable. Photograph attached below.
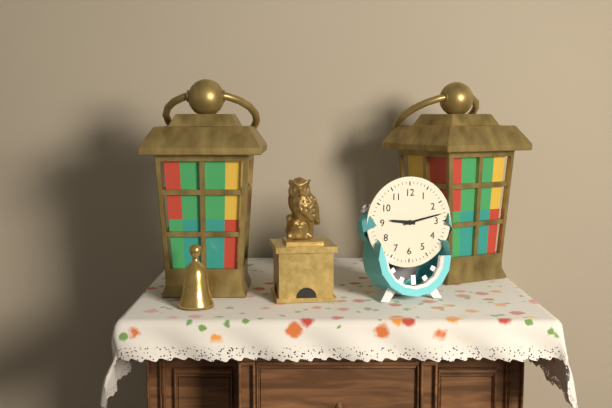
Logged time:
h=9 m=13
